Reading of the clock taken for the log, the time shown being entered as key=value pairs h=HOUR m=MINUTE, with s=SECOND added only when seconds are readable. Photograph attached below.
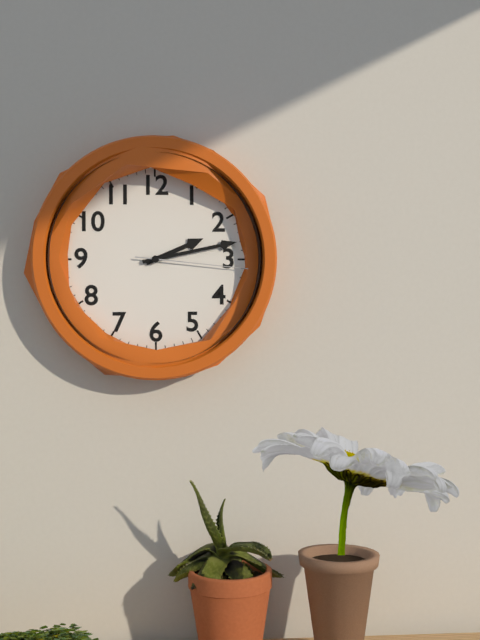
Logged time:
h=2 m=13 s=16
